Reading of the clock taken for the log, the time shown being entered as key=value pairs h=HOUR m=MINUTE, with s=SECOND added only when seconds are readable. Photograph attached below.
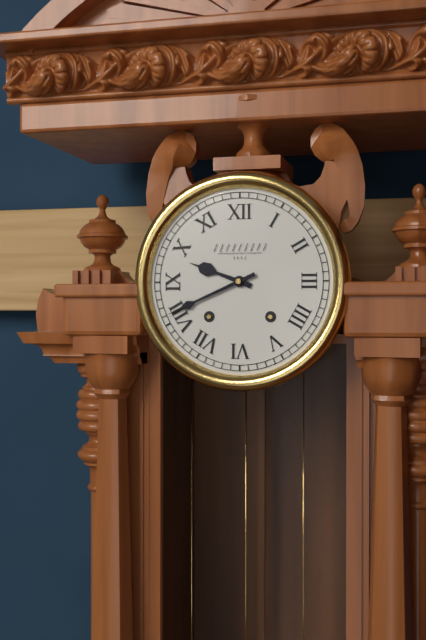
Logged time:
h=9 m=41
